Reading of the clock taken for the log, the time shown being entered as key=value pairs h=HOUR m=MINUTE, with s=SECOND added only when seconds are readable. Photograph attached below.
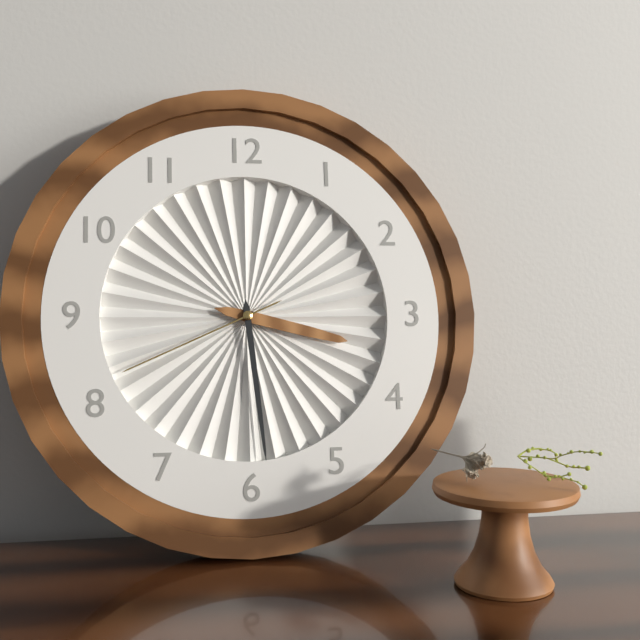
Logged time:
h=3 m=29 s=41
